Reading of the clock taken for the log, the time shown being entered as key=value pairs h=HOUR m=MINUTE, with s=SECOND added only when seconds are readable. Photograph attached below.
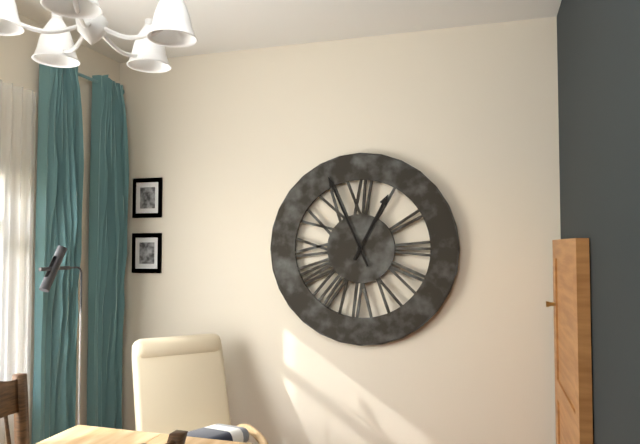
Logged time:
h=12 m=56
